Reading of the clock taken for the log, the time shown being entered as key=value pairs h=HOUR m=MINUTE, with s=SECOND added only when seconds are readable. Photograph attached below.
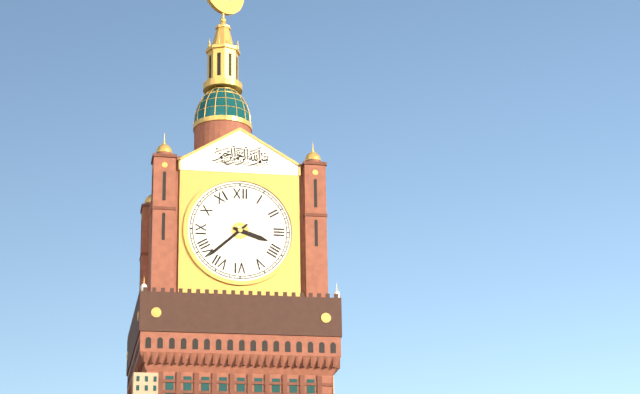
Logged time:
h=3 m=38
